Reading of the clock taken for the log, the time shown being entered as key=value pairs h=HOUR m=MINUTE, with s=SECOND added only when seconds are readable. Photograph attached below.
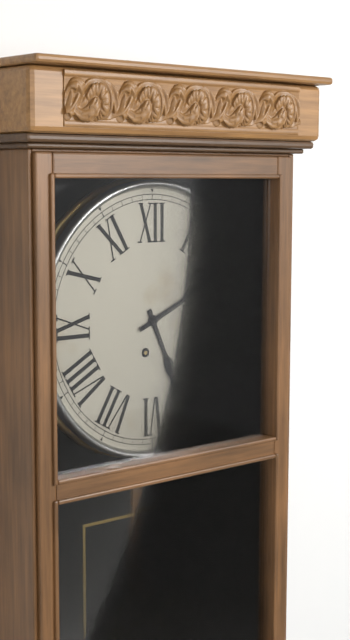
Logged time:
h=5 m=11
